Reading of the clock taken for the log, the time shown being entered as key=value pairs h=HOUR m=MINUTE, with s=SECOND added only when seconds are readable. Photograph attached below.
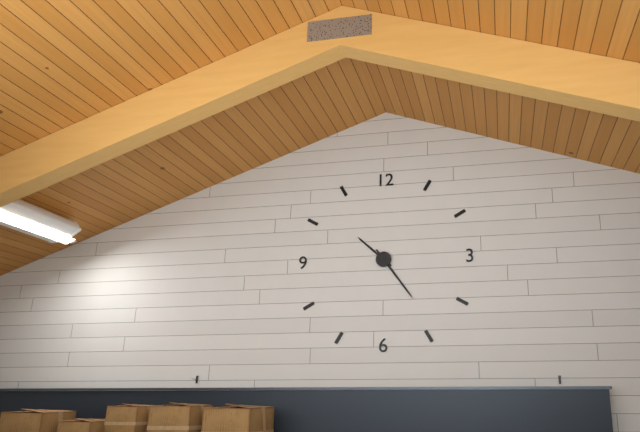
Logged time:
h=10 m=24
